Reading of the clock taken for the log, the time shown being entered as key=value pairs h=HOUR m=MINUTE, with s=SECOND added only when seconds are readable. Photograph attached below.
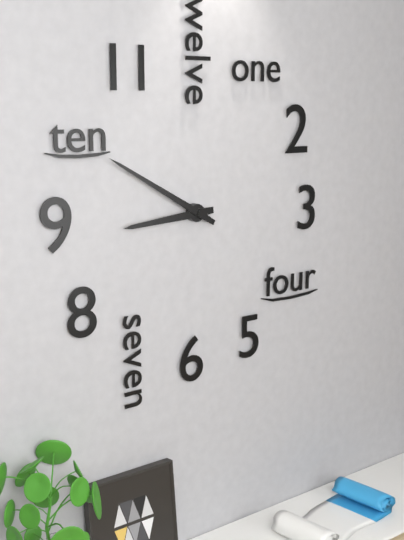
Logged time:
h=8 m=50
